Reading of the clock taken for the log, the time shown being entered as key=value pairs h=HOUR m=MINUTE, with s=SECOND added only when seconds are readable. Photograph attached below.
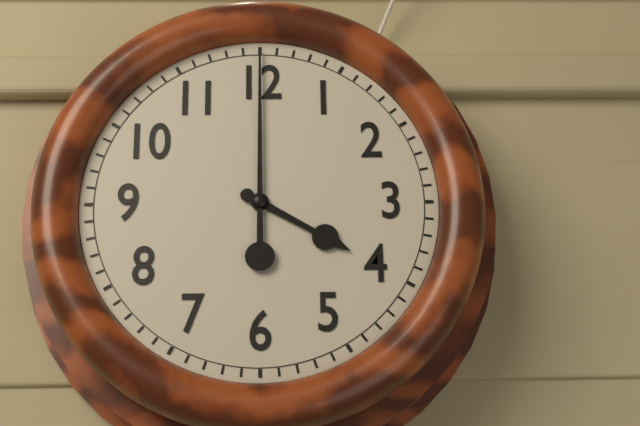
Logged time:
h=4 m=0
